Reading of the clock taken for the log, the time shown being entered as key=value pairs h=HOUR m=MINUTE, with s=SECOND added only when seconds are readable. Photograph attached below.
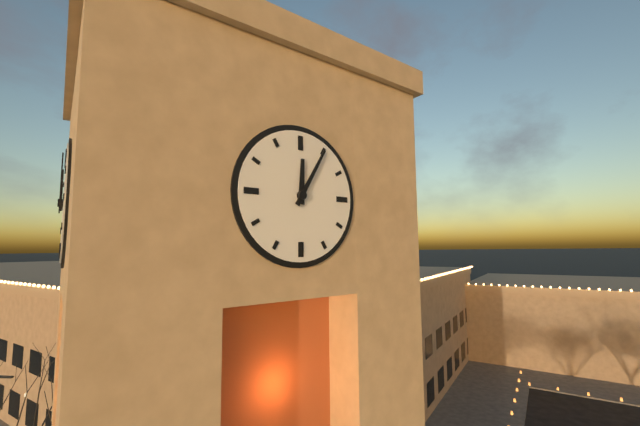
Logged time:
h=12 m=5
